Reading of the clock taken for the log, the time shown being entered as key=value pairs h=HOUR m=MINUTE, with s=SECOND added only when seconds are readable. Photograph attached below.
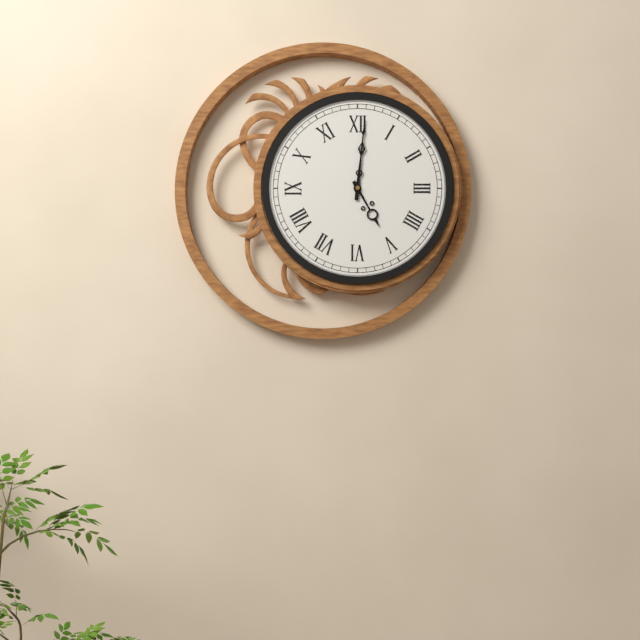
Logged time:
h=5 m=1
